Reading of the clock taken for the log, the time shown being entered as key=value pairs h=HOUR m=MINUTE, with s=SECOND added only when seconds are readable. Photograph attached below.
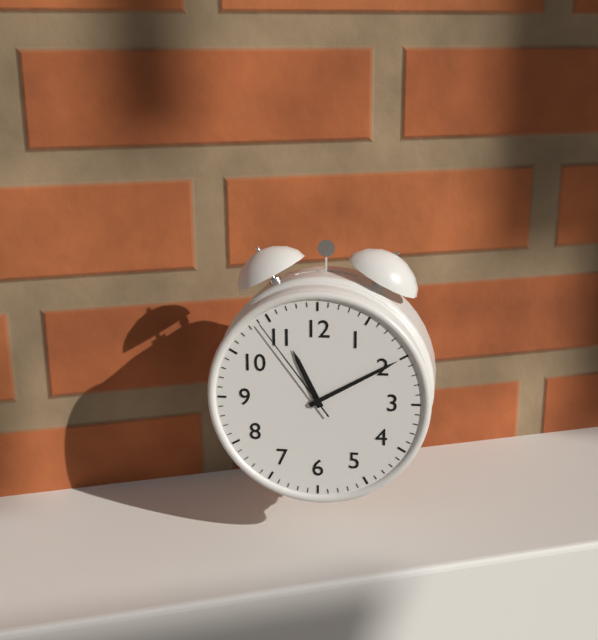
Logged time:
h=11 m=10 s=54
